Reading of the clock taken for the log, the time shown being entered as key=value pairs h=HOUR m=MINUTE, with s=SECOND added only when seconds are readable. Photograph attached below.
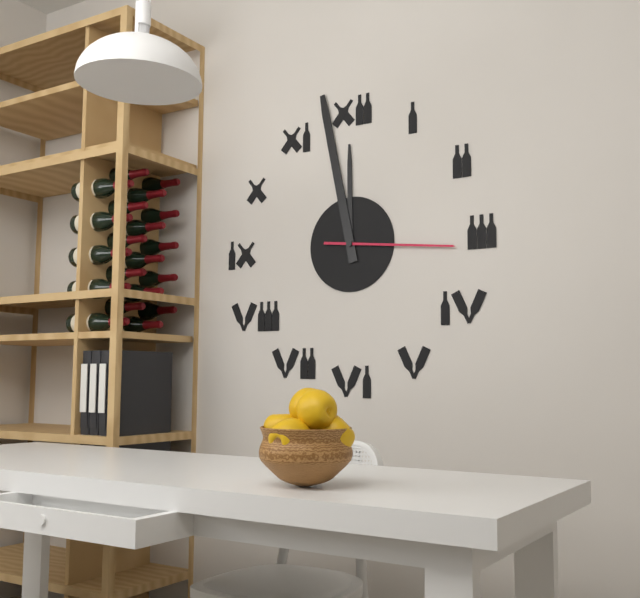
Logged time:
h=11 m=58 s=16
